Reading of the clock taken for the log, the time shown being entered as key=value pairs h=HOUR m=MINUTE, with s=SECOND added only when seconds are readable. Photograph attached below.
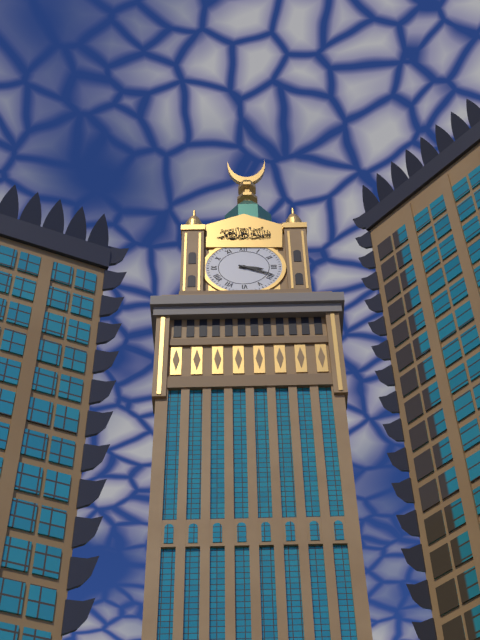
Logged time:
h=3 m=19
